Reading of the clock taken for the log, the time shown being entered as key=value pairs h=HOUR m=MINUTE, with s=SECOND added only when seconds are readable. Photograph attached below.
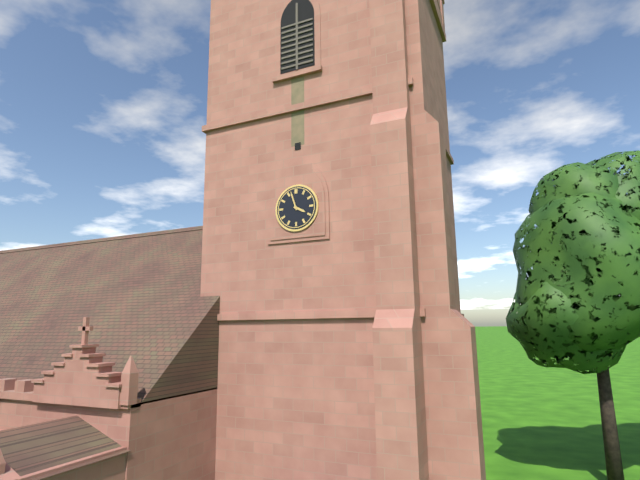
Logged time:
h=3 m=57
